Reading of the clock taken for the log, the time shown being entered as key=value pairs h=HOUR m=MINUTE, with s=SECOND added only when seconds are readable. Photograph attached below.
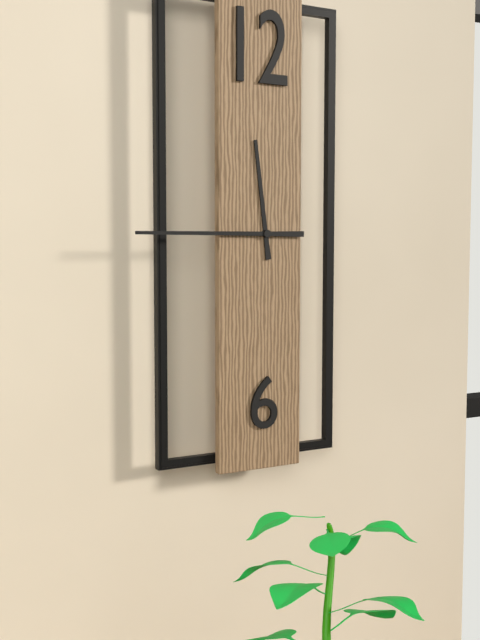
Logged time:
h=11 m=45
